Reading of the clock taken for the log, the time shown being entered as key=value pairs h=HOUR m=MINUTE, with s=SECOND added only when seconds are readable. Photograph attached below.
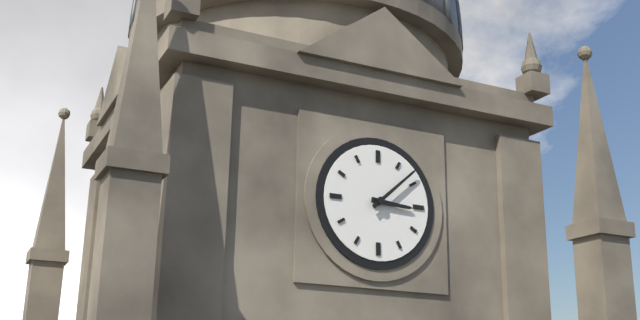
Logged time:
h=3 m=8
